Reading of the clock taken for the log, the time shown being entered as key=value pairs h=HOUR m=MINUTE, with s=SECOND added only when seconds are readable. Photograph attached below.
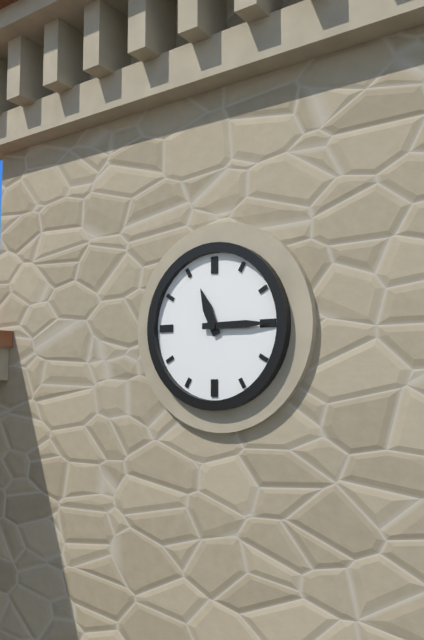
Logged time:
h=11 m=15
